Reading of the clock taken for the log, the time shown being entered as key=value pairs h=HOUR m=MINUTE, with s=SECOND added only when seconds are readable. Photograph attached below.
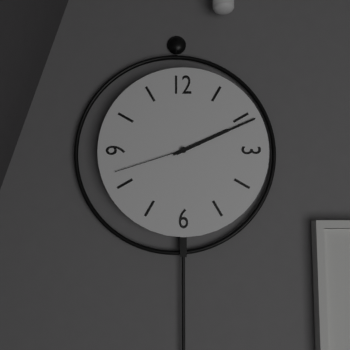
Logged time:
h=2 m=11 s=42
